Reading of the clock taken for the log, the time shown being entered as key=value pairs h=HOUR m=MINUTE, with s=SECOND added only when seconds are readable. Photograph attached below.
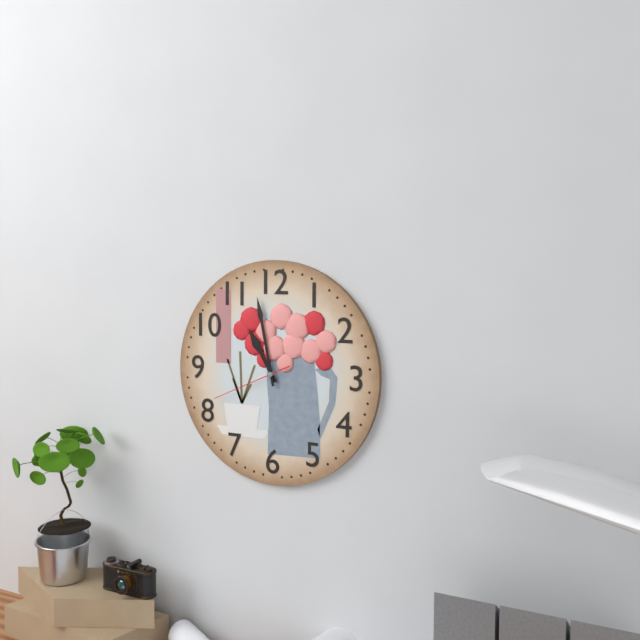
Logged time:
h=10 m=58 s=41
